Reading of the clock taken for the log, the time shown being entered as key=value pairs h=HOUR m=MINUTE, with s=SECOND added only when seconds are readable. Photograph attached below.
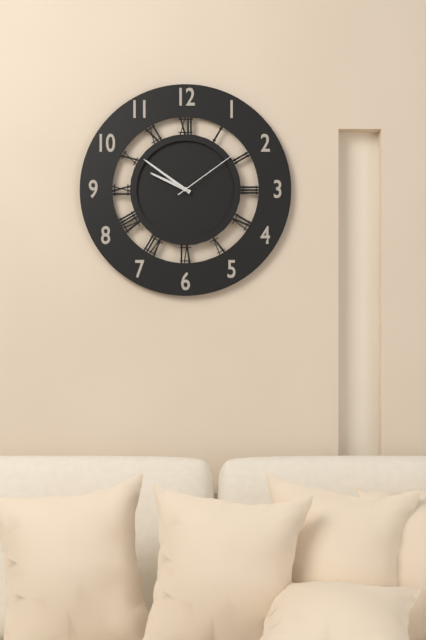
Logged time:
h=9 m=51 s=9
